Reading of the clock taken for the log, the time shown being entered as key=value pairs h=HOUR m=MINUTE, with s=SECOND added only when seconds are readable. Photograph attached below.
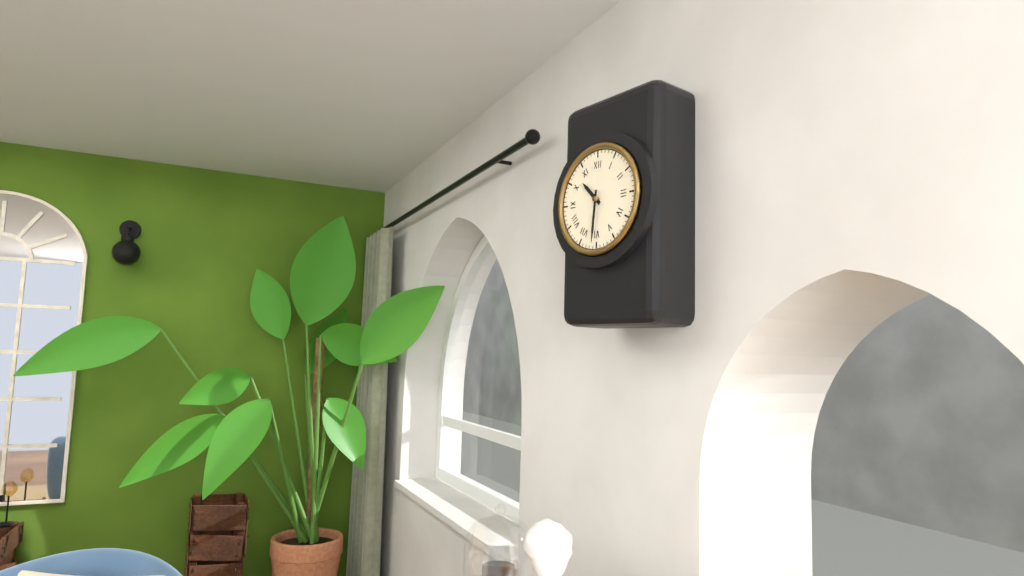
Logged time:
h=10 m=31
